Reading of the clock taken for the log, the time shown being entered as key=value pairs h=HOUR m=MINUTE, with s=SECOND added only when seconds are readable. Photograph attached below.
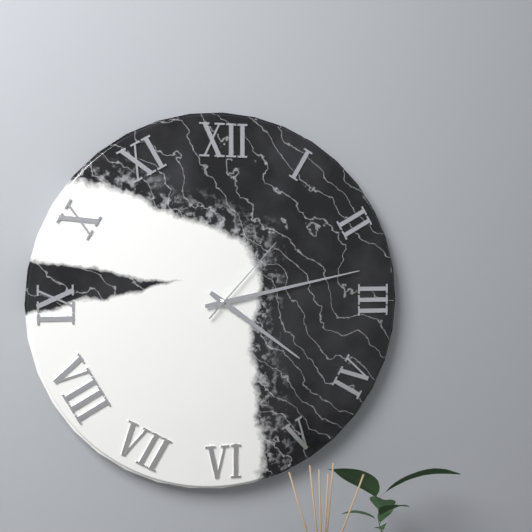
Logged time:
h=4 m=13 s=7
